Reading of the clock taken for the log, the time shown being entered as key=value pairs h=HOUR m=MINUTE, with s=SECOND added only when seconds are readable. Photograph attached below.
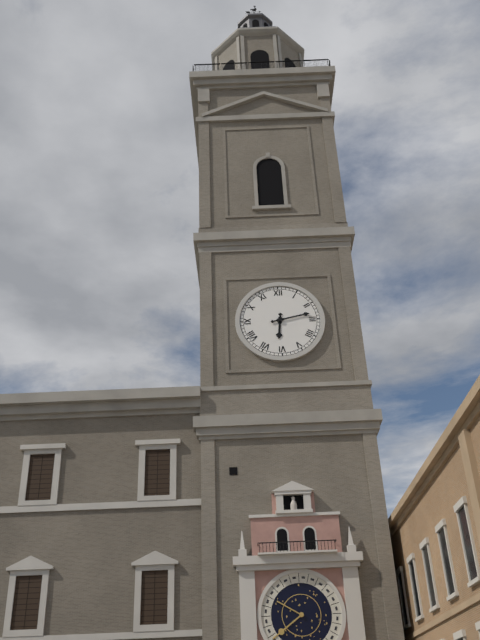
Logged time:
h=6 m=13
